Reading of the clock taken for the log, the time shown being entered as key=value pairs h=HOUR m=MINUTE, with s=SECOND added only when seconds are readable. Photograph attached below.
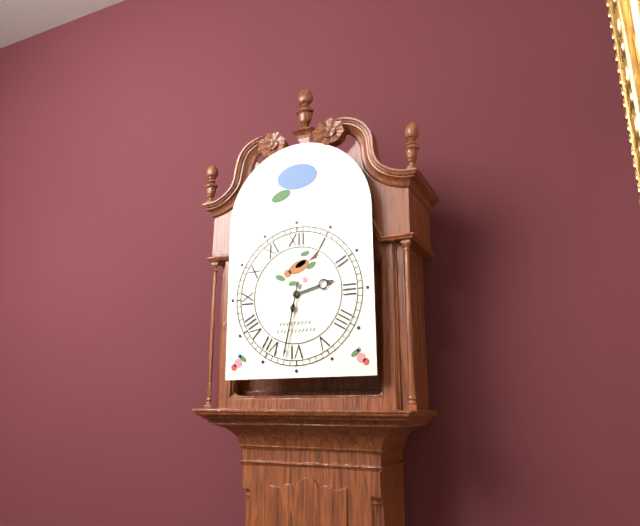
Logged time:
h=2 m=32
